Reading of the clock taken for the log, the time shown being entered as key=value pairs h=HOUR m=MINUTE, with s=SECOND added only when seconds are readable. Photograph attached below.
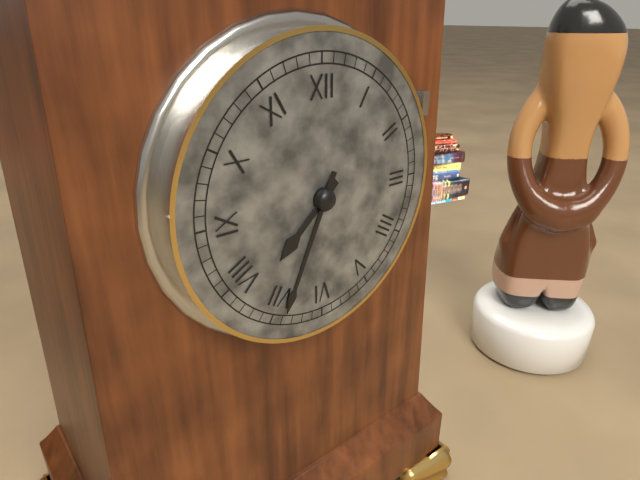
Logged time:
h=7 m=34
